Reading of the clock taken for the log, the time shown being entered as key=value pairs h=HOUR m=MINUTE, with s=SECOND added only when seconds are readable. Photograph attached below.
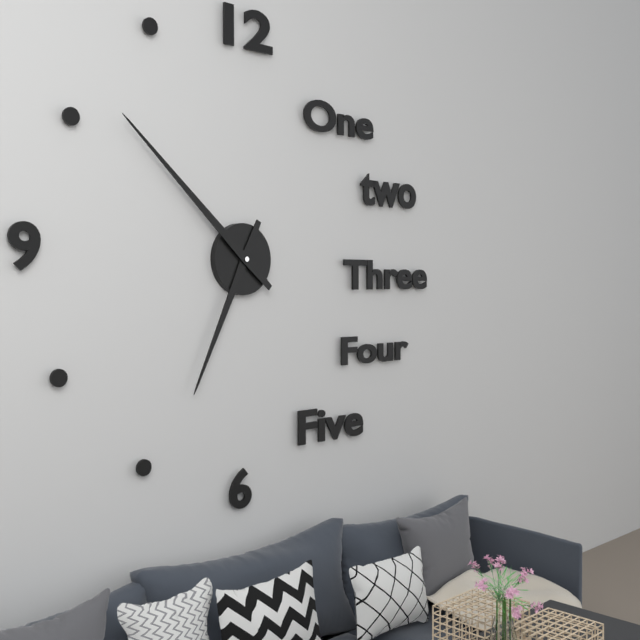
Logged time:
h=6 m=52
